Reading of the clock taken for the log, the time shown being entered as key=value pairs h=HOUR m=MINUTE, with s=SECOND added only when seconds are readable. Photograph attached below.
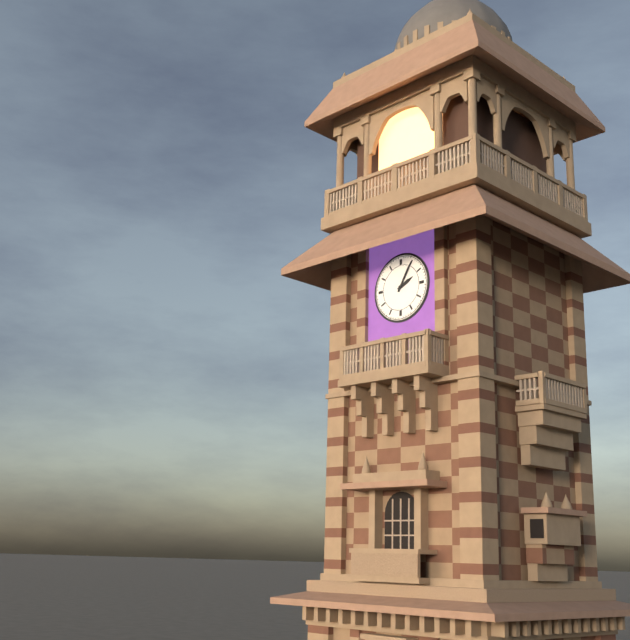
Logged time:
h=2 m=5
